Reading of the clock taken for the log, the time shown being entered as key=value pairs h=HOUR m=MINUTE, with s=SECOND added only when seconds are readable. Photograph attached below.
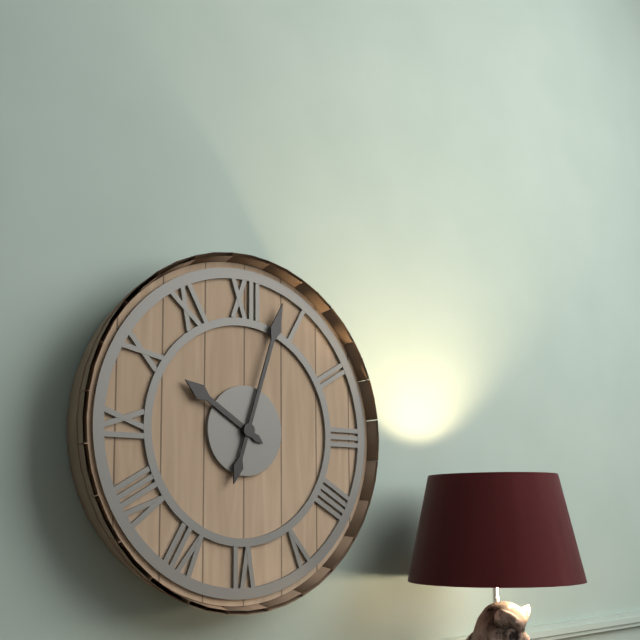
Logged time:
h=10 m=3
